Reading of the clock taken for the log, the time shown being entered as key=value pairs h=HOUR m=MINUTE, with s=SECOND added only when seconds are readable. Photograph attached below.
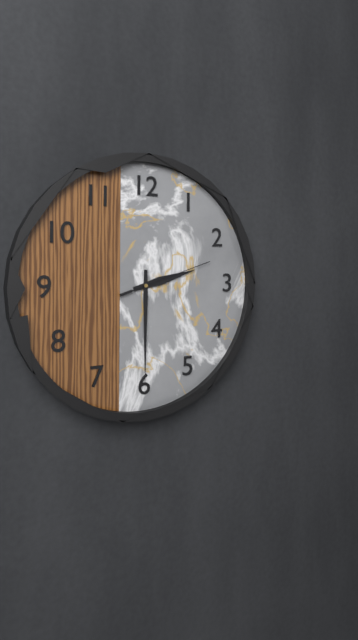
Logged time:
h=2 m=30 s=12
